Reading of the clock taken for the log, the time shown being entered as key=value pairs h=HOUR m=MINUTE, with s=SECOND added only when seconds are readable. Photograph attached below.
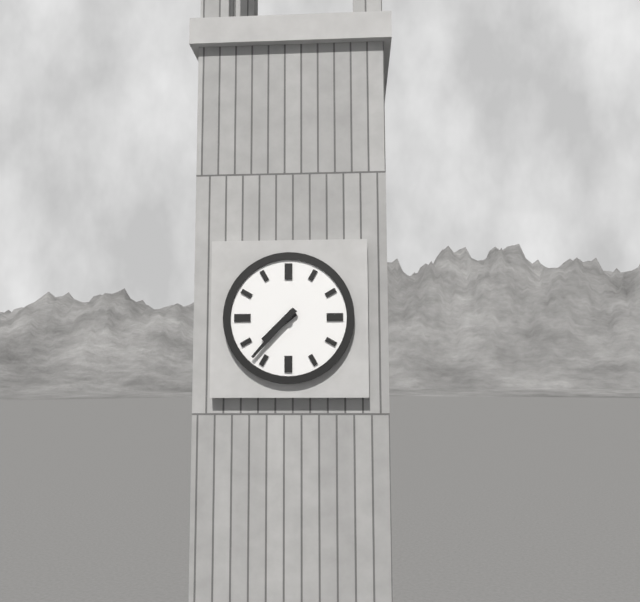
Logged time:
h=7 m=37
